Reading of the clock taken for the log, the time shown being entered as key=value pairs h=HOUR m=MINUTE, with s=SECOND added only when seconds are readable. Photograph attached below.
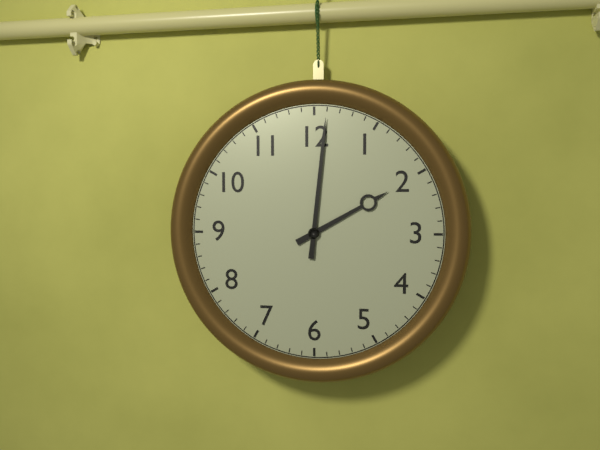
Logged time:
h=2 m=1
